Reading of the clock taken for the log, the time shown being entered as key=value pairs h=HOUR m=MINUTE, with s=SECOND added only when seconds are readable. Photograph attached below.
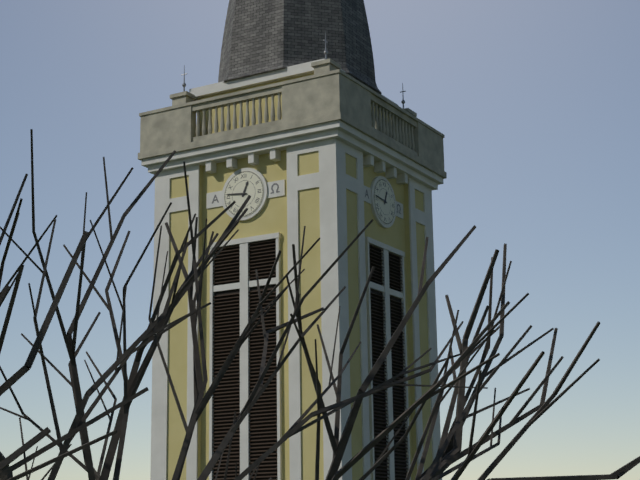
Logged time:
h=12 m=46
